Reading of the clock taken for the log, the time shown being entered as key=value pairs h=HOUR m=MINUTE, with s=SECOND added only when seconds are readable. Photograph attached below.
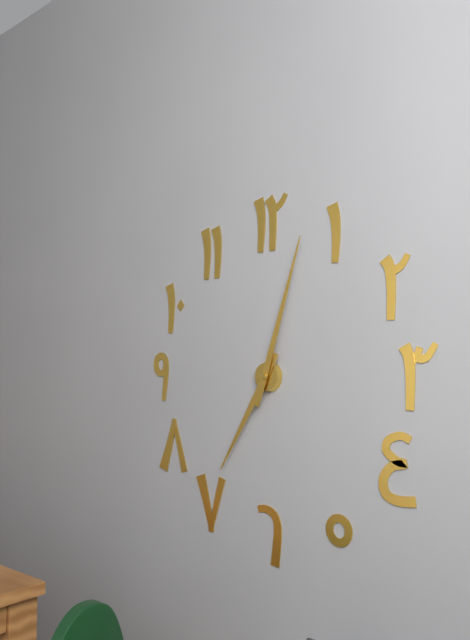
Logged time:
h=7 m=3
